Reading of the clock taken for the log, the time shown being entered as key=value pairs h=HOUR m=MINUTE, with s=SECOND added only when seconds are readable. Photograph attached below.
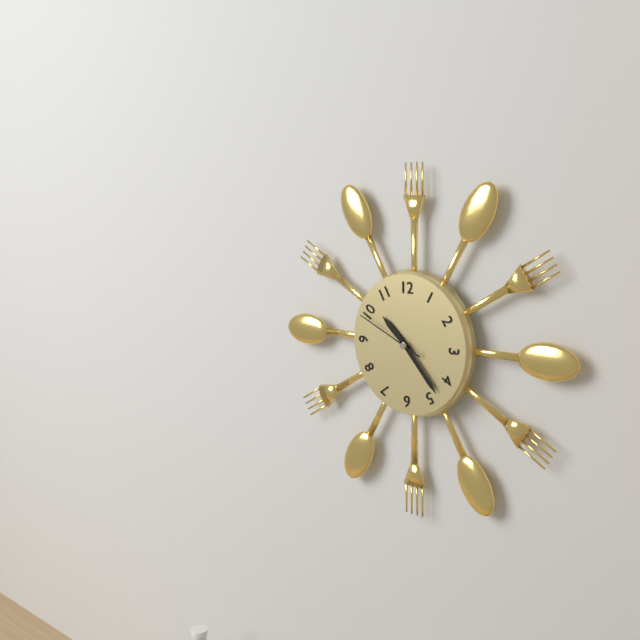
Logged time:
h=10 m=23 s=49
